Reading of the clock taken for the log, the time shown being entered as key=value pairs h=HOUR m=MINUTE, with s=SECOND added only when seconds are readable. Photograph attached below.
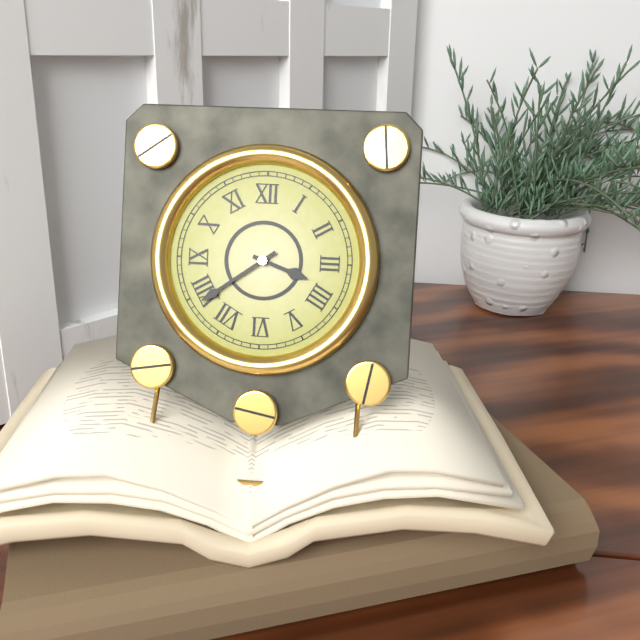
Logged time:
h=3 m=39
